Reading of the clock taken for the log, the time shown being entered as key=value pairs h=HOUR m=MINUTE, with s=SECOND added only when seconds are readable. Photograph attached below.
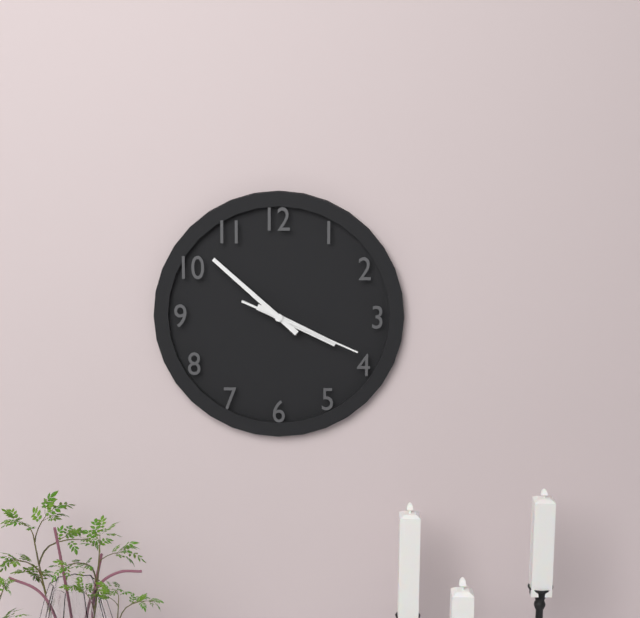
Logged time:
h=3 m=52 s=19
